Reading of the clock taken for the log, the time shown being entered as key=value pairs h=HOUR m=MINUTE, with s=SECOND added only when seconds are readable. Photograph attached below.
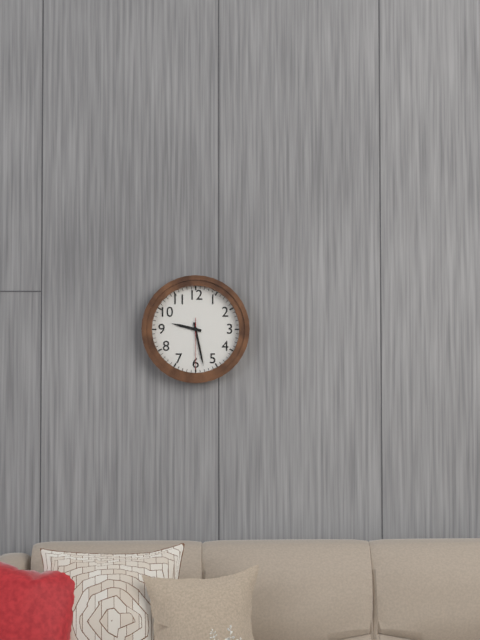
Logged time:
h=9 m=28 s=30
